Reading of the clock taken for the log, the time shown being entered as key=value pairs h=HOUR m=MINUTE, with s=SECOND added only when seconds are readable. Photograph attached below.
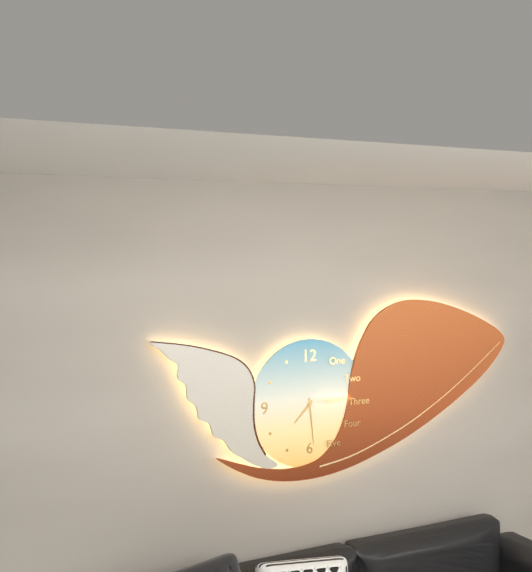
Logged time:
h=7 m=29
